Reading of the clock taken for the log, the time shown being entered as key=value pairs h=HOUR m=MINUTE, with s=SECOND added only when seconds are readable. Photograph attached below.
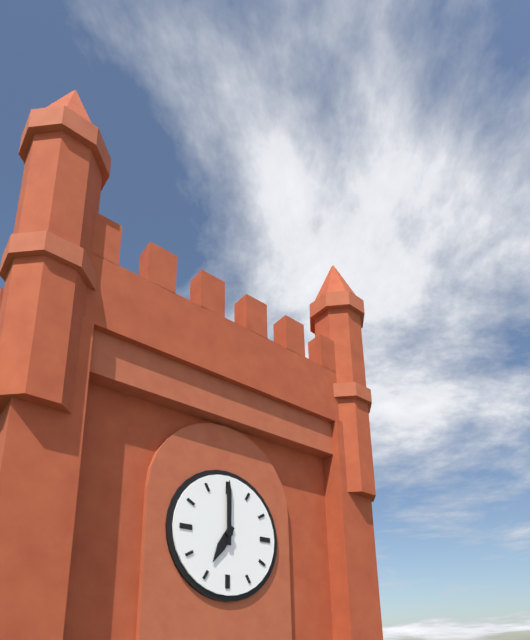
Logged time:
h=7 m=0
